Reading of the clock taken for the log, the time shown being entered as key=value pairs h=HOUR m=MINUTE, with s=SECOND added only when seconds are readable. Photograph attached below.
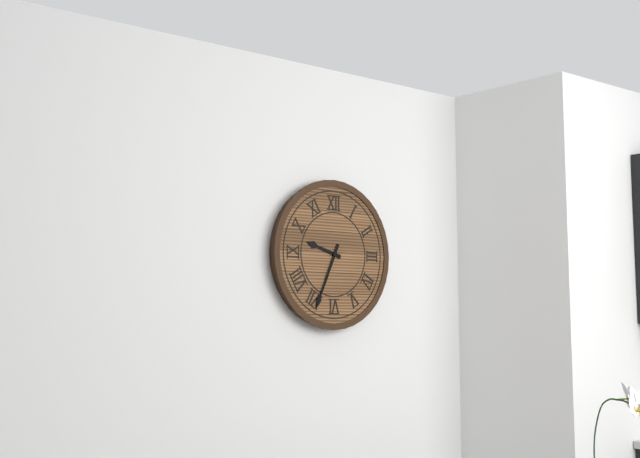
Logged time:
h=9 m=34
